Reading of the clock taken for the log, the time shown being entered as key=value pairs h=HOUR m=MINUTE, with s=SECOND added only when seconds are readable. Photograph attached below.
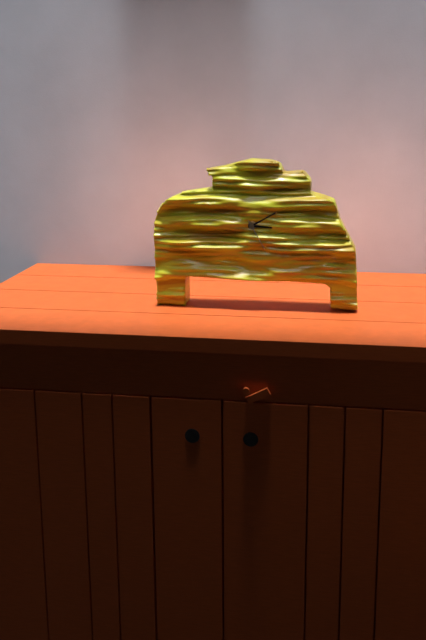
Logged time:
h=3 m=10
